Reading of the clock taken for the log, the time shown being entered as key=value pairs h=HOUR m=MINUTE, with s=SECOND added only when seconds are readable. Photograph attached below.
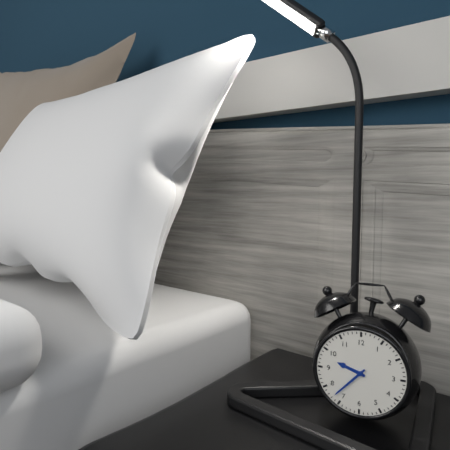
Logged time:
h=9 m=37
